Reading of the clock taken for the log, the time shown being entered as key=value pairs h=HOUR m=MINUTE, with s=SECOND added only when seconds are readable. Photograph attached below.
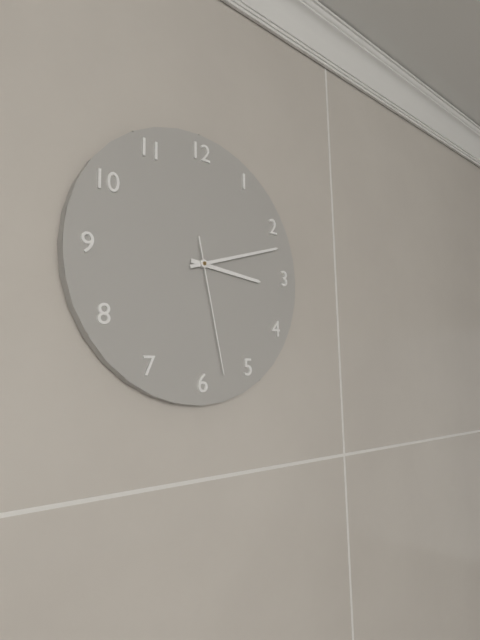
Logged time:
h=3 m=12 s=28
